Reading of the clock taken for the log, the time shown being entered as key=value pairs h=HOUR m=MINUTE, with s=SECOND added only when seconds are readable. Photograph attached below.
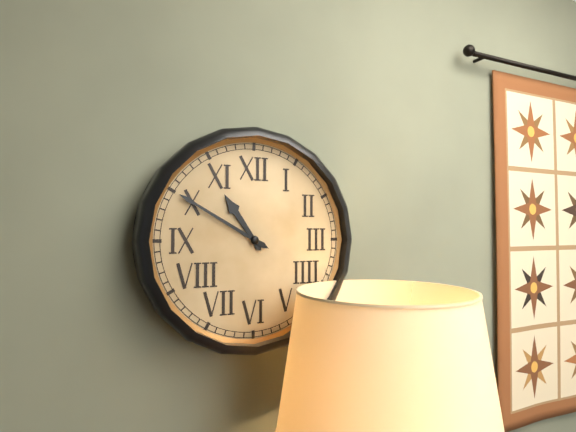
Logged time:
h=10 m=50
